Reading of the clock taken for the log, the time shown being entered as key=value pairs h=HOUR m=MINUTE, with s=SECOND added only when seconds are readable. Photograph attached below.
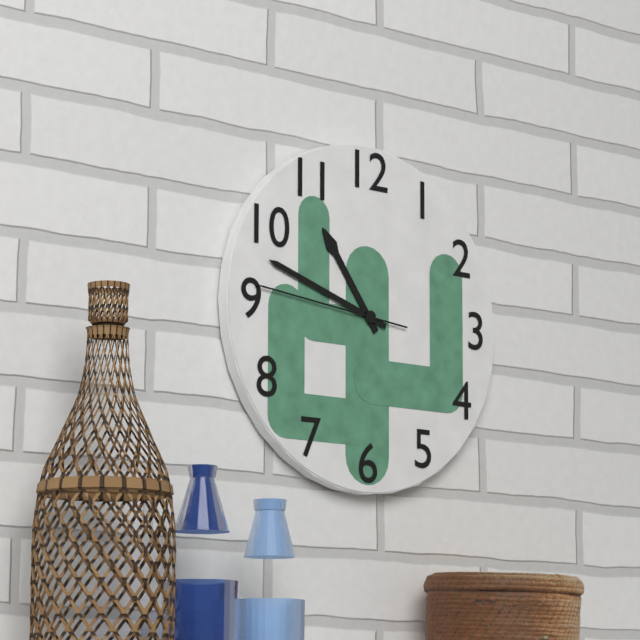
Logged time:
h=10 m=48 s=46
